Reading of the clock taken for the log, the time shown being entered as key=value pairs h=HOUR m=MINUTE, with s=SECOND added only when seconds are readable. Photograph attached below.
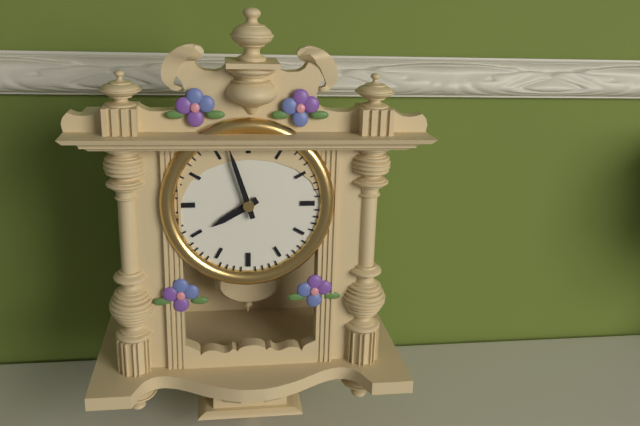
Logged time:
h=7 m=57
